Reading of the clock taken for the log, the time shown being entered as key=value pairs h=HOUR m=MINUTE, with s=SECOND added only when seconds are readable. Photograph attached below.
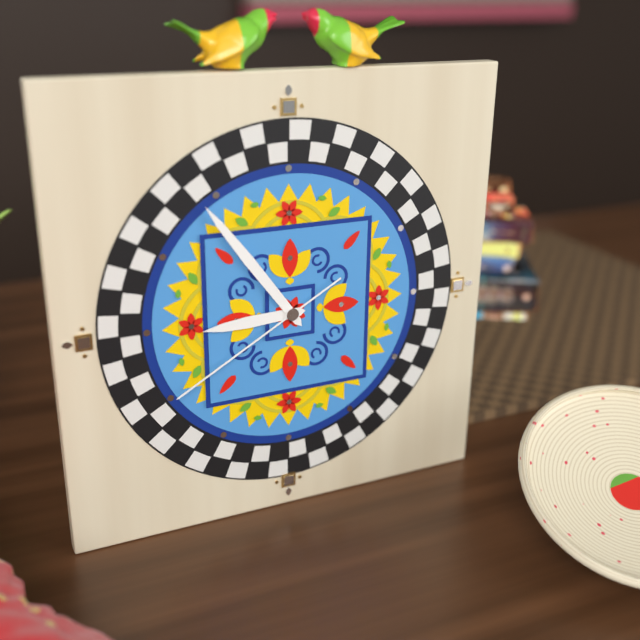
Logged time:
h=8 m=54 s=40
